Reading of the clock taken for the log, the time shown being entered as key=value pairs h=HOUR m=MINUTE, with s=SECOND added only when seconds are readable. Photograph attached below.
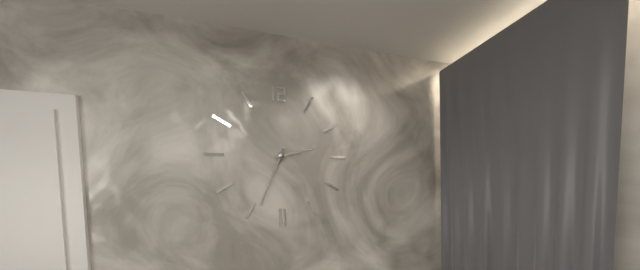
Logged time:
h=2 m=34
